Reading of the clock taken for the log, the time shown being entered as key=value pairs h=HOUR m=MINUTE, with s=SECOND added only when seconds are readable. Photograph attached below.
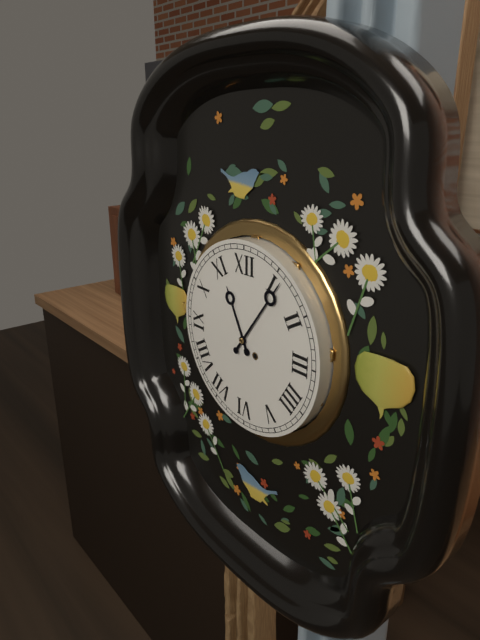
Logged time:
h=11 m=6
